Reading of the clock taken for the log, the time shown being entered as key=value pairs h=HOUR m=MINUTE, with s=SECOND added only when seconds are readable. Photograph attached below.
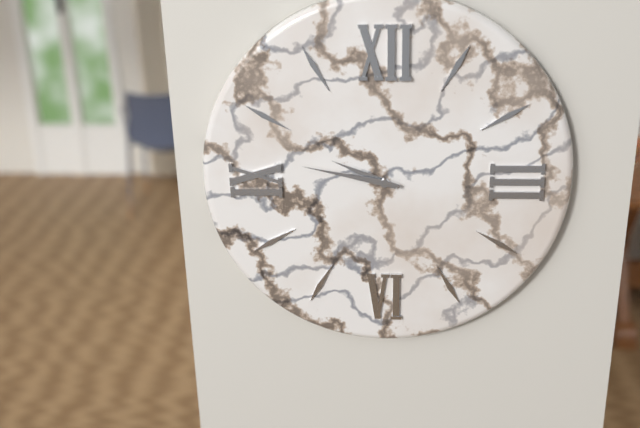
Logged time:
h=9 m=47
